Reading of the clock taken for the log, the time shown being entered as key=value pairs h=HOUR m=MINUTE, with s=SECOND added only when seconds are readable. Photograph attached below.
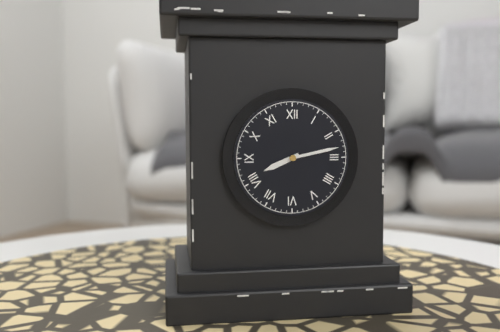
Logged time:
h=8 m=13
